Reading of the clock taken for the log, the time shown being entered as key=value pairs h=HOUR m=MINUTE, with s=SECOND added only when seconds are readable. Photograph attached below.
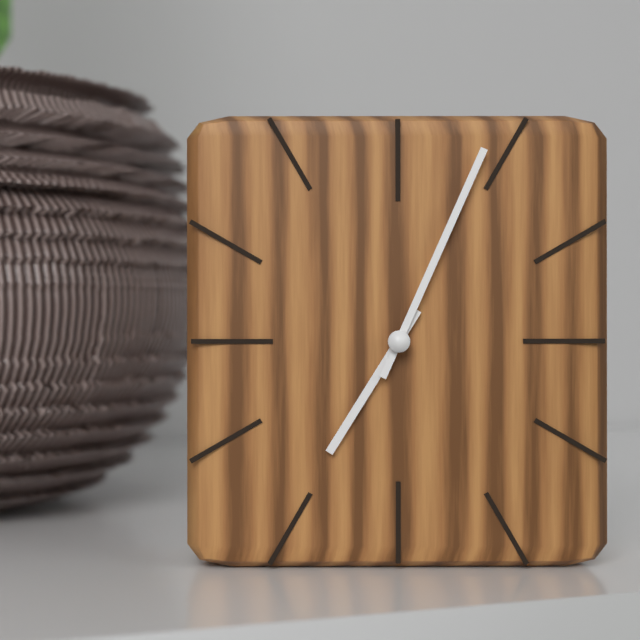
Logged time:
h=7 m=4
